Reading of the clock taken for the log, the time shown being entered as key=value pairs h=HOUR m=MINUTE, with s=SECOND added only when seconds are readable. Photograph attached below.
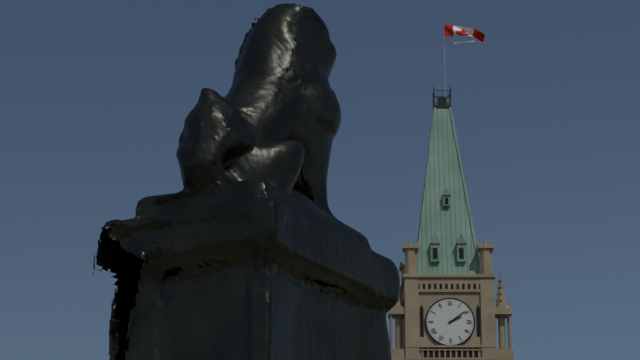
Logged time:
h=2 m=9
